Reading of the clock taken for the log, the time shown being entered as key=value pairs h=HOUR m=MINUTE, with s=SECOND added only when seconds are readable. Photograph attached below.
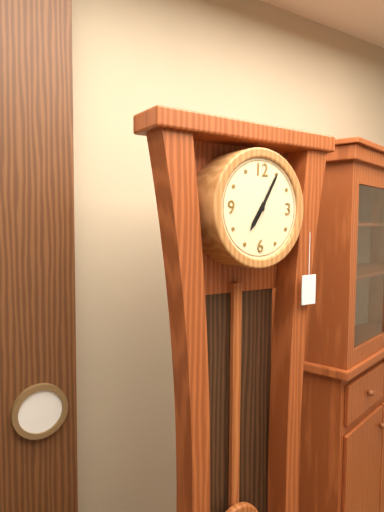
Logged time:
h=7 m=5
